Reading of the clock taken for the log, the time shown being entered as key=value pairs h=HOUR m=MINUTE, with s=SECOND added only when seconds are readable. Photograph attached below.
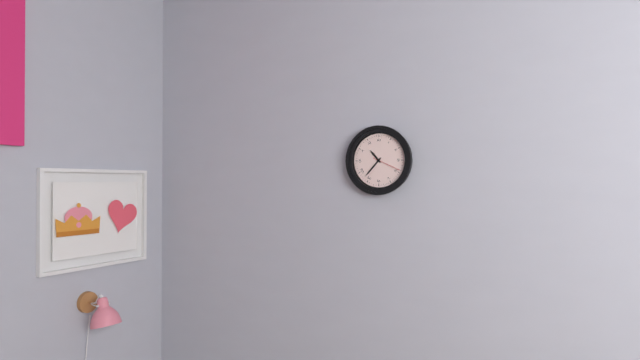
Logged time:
h=10 m=37
